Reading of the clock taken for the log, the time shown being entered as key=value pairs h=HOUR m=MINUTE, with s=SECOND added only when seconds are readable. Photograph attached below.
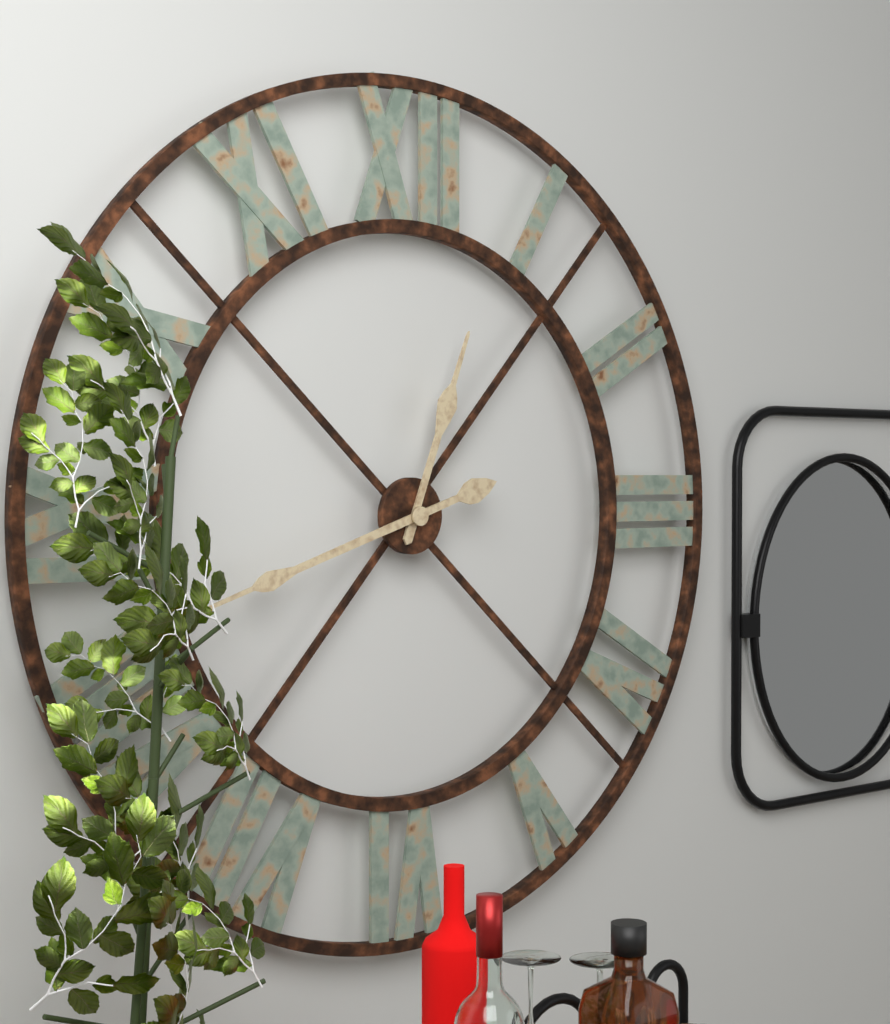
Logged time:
h=12 m=42
